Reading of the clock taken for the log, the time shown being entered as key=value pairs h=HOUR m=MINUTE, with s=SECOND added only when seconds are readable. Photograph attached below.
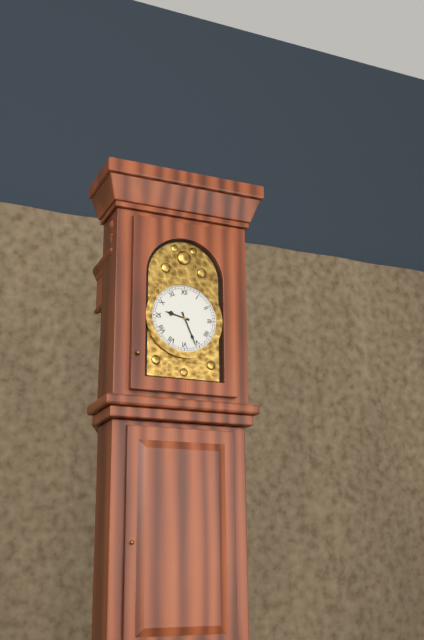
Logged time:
h=9 m=26
